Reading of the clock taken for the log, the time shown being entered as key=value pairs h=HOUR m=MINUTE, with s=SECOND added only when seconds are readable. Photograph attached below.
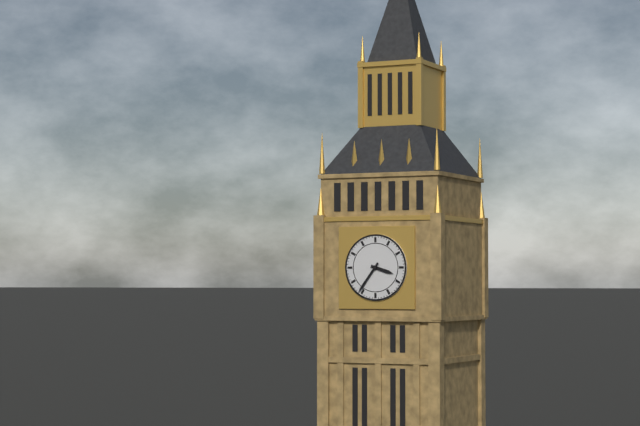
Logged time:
h=3 m=36
